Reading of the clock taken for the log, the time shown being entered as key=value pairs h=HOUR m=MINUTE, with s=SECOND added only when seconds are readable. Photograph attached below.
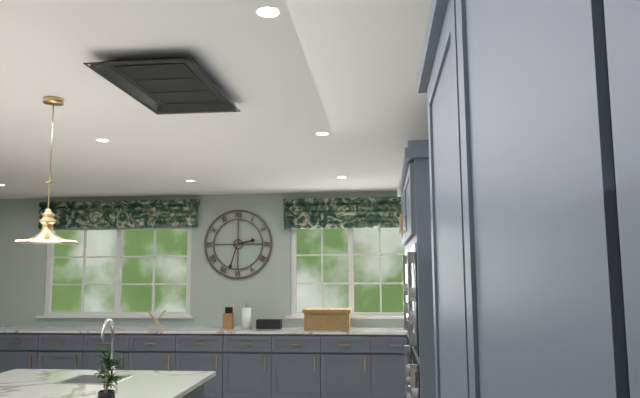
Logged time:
h=2 m=33
